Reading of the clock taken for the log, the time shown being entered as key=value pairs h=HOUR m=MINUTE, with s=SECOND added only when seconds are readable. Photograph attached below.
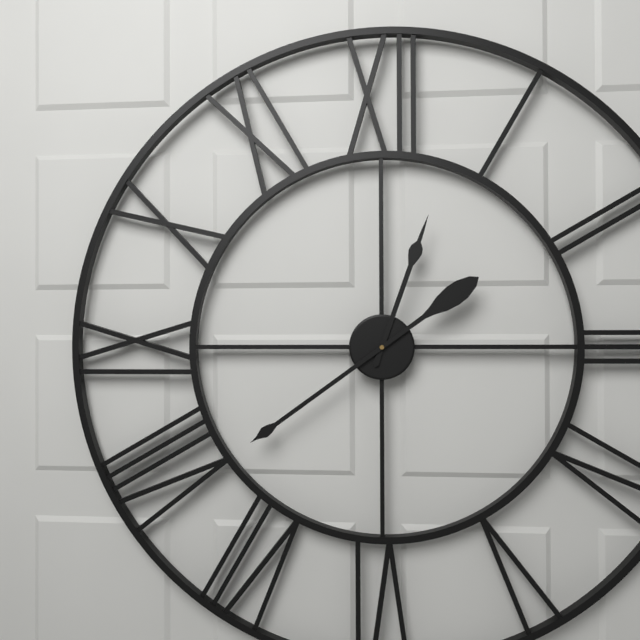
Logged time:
h=12 m=39
